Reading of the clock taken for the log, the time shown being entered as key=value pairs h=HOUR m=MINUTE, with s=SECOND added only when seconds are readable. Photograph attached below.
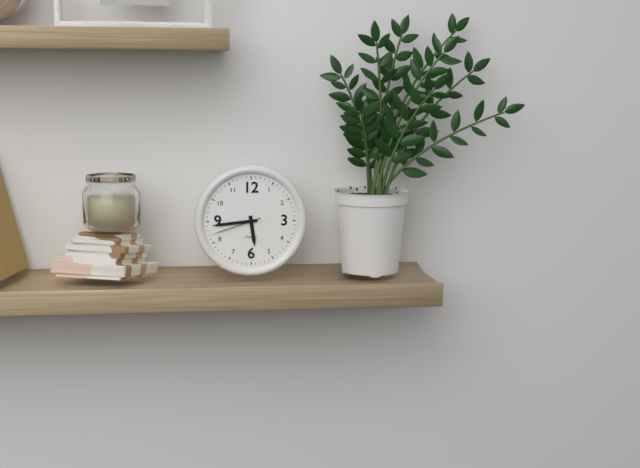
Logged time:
h=5 m=44 s=42
